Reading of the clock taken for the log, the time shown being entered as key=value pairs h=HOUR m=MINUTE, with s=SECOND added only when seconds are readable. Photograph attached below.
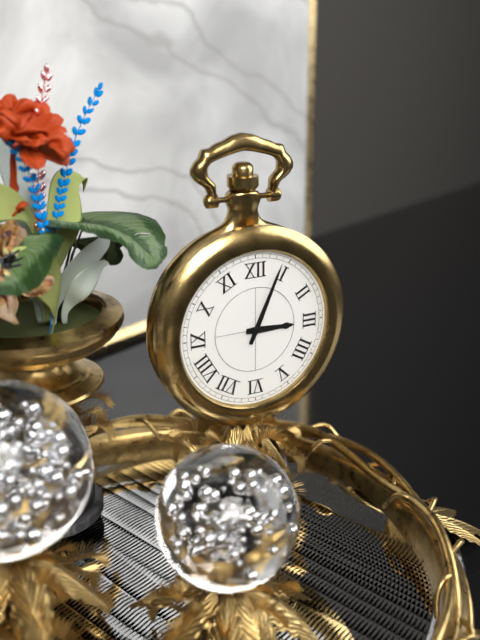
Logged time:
h=3 m=4
